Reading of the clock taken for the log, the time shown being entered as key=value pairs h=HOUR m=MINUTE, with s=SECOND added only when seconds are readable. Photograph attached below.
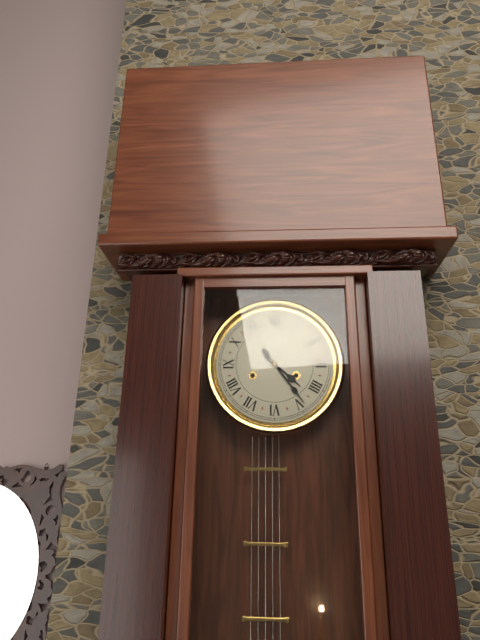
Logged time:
h=4 m=24
